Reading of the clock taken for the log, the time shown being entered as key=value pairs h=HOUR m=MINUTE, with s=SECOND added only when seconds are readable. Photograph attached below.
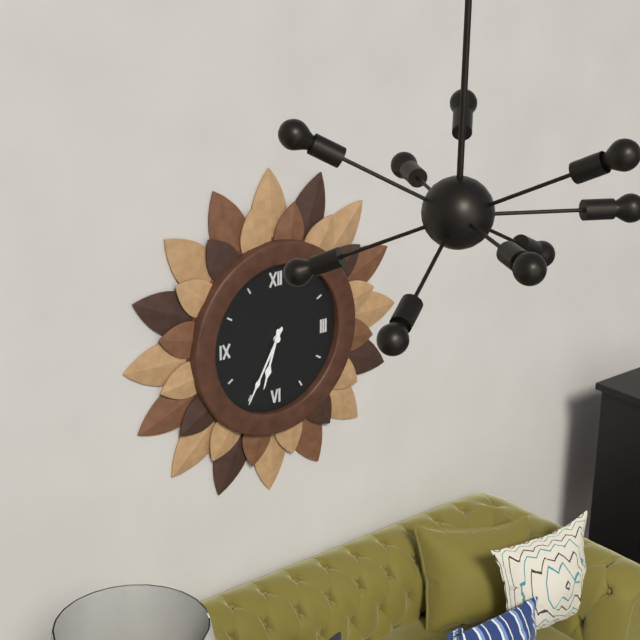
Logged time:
h=6 m=35
